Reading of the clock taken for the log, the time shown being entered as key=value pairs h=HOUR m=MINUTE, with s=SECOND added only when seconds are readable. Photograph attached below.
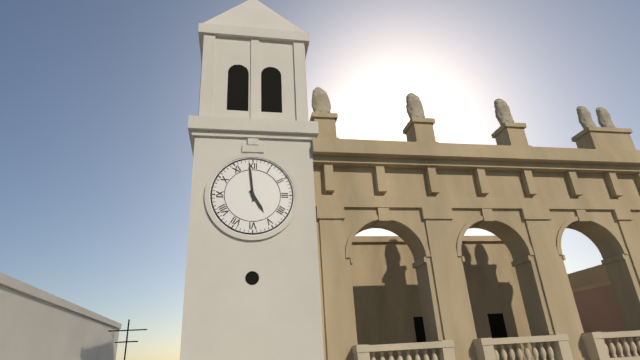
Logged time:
h=4 m=59
